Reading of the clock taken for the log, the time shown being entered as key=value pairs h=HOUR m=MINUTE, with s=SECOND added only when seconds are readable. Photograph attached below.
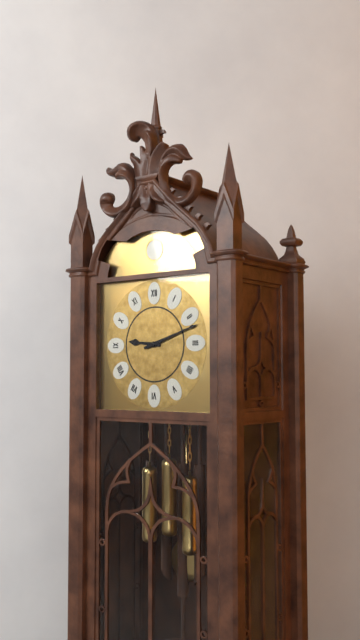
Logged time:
h=9 m=12
